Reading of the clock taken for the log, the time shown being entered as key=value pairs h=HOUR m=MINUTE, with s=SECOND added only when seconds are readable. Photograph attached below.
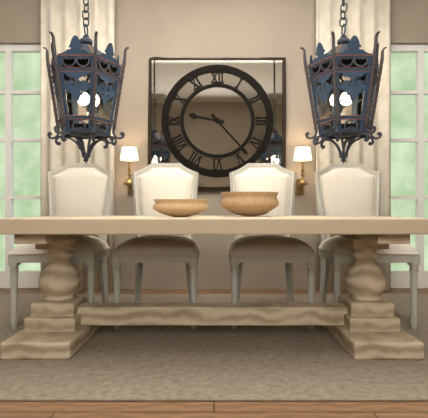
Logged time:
h=9 m=23
